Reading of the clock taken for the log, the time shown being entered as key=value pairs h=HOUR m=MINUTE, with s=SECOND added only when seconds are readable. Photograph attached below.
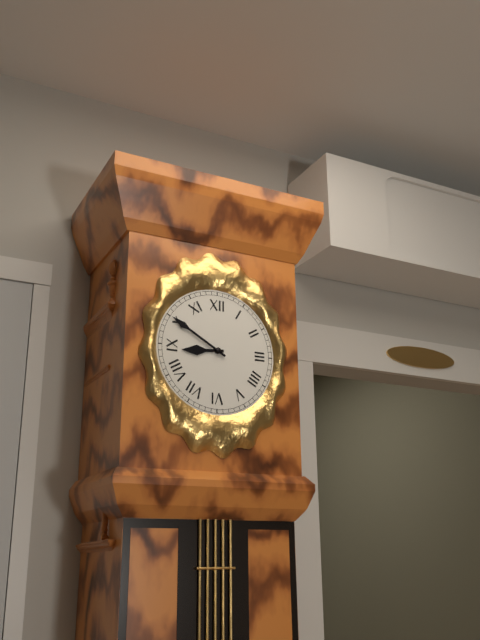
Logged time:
h=8 m=50
